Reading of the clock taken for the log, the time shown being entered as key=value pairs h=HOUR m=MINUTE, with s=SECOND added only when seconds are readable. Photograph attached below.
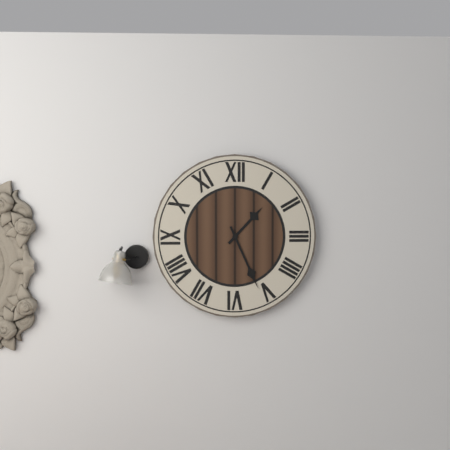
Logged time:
h=1 m=26
